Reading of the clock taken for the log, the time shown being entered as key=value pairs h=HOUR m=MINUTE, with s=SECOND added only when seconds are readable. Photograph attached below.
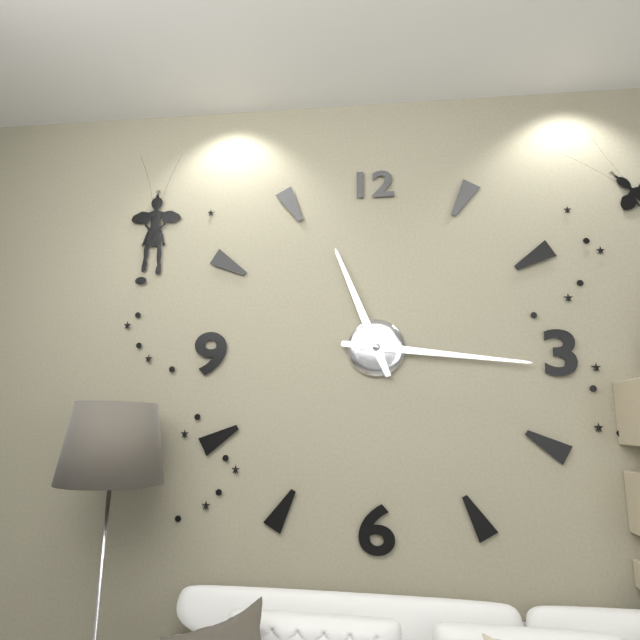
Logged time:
h=11 m=16
